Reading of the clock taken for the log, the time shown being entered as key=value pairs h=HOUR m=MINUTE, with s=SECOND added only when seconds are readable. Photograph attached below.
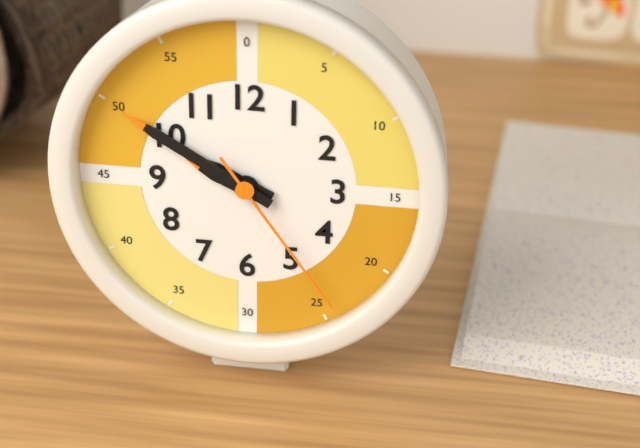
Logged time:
h=9 m=50 s=24
